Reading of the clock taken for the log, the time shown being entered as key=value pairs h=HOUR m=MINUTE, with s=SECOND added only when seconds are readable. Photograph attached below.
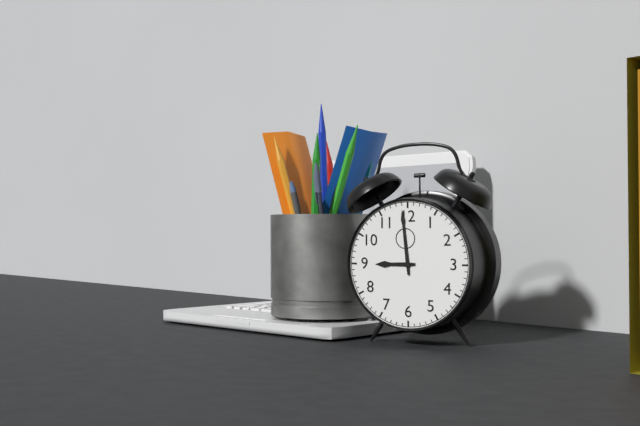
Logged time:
h=8 m=59
